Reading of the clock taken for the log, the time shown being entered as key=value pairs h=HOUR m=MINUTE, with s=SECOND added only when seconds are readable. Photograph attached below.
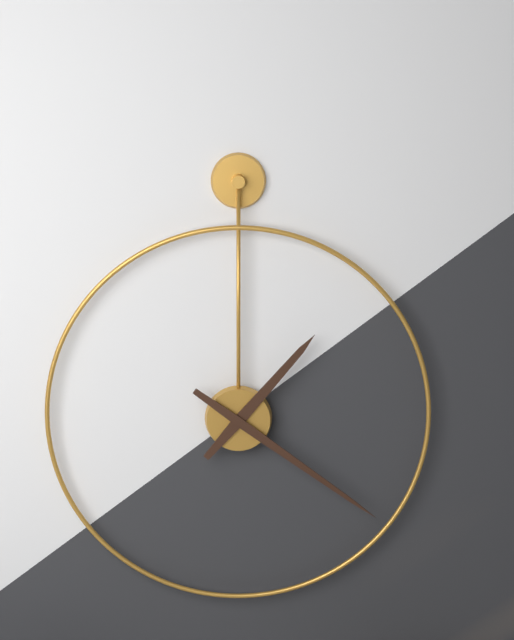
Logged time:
h=1 m=21
